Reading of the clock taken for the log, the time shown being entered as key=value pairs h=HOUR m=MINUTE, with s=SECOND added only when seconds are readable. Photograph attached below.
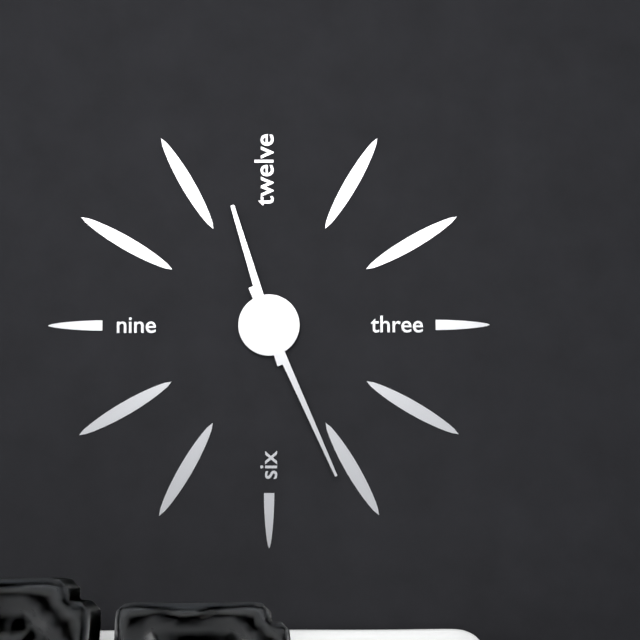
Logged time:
h=11 m=26
